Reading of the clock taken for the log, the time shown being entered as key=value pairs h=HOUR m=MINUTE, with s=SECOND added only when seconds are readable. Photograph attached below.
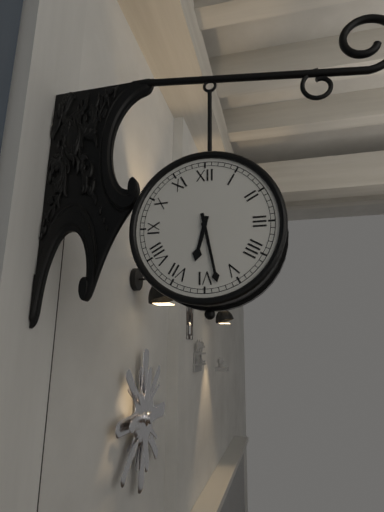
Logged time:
h=6 m=28
